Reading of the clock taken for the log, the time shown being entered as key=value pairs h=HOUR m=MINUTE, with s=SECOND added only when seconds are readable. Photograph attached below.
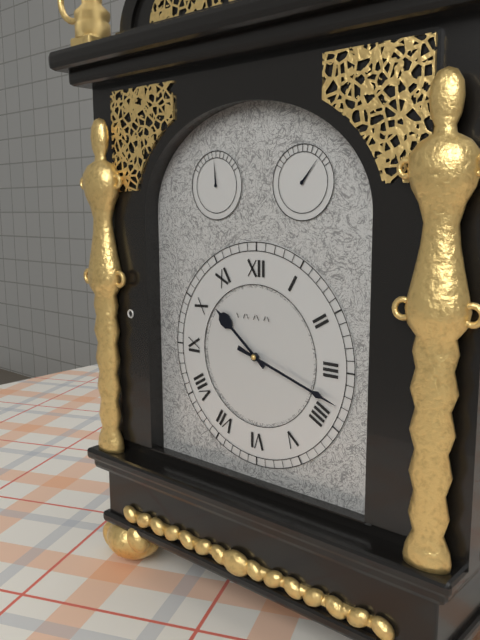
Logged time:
h=10 m=18
